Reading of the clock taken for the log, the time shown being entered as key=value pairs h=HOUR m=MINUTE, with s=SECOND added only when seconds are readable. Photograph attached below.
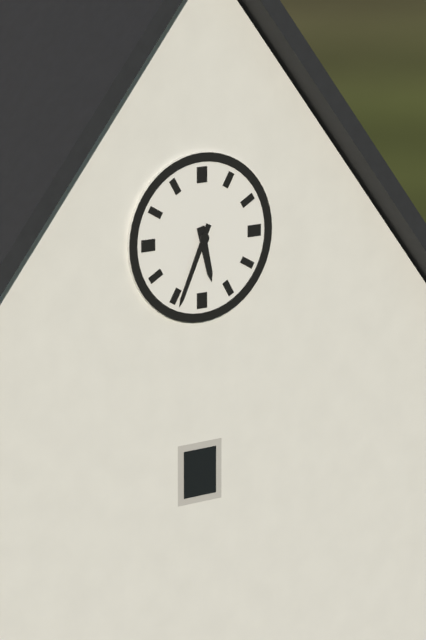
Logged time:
h=5 m=34
